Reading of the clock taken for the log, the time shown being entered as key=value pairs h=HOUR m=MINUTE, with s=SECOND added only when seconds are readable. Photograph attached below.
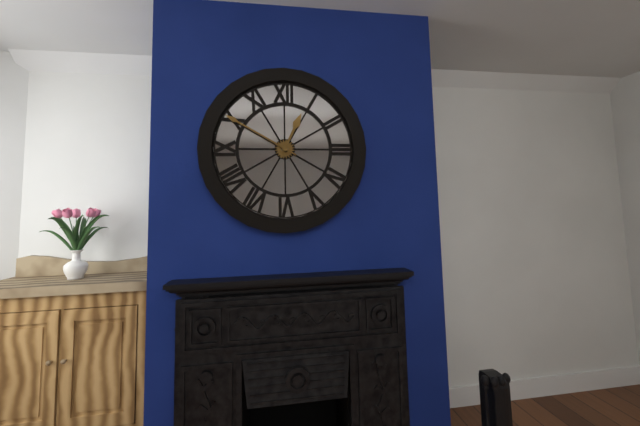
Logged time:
h=12 m=50
